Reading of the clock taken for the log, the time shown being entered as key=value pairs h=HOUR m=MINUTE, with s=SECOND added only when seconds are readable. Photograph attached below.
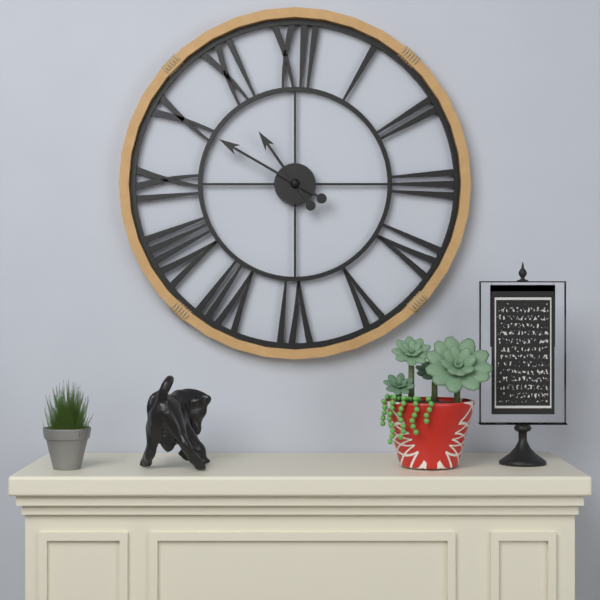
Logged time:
h=10 m=50
